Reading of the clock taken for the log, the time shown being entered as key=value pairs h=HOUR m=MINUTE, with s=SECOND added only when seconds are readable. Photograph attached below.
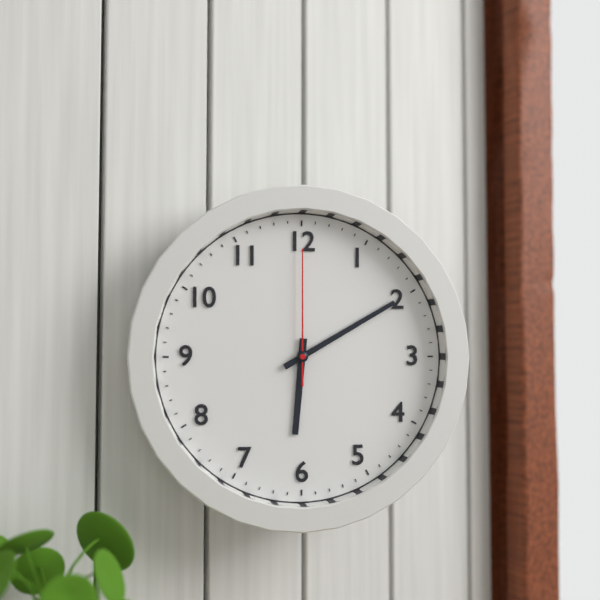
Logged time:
h=6 m=10 s=0
